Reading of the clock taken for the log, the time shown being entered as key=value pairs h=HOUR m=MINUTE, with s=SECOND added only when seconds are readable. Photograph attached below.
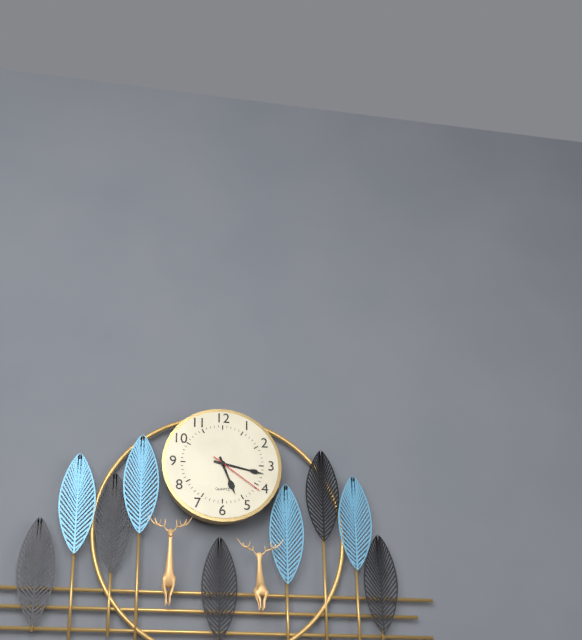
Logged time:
h=5 m=17 s=21
